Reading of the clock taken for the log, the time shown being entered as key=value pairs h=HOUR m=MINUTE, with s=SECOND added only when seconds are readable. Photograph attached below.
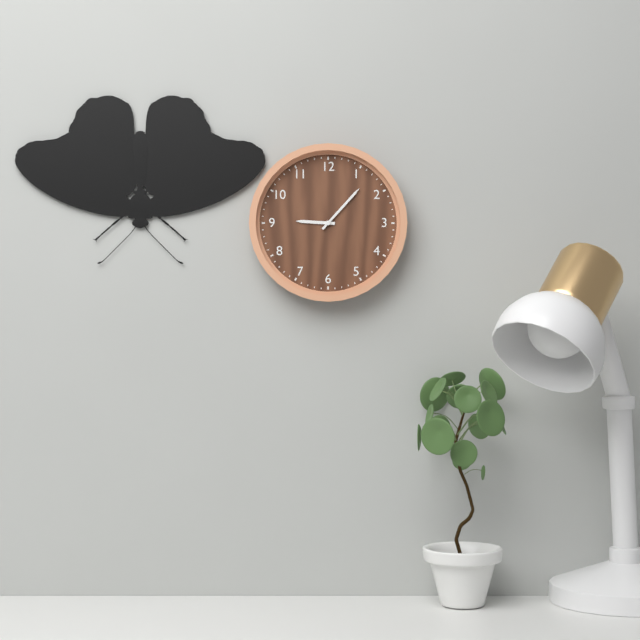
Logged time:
h=9 m=7
